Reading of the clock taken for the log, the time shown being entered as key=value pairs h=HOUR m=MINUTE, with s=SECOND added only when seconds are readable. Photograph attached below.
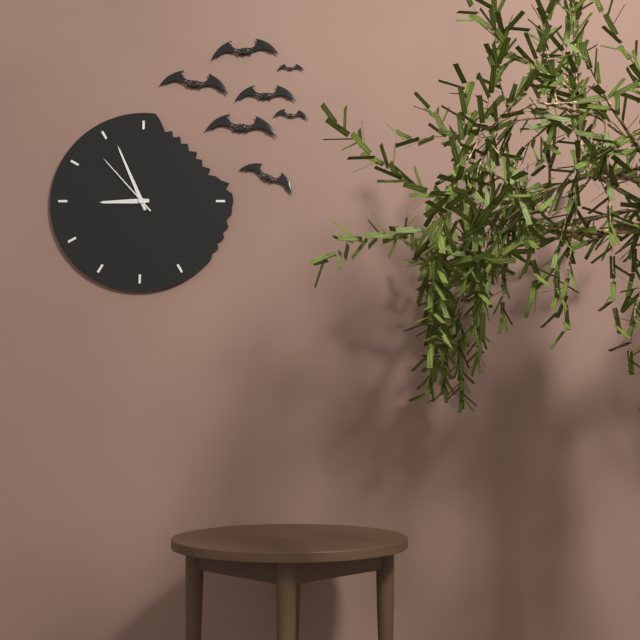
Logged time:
h=8 m=56 s=53
